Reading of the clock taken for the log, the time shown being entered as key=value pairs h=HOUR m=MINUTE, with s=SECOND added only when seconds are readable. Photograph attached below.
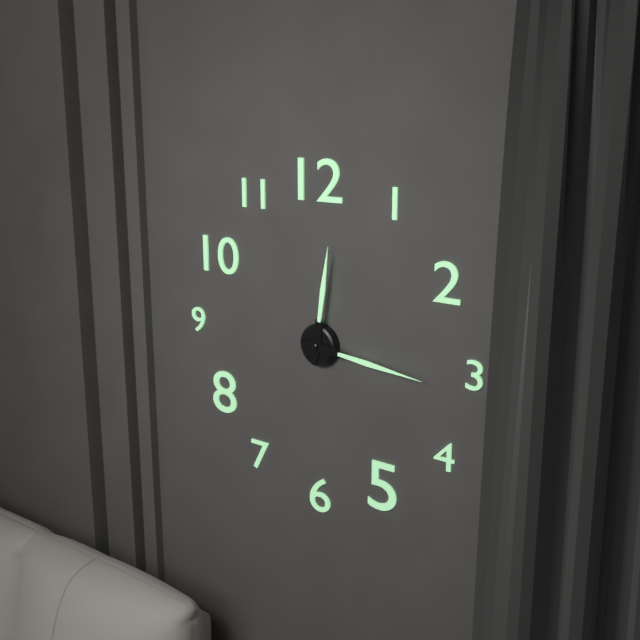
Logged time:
h=12 m=16
